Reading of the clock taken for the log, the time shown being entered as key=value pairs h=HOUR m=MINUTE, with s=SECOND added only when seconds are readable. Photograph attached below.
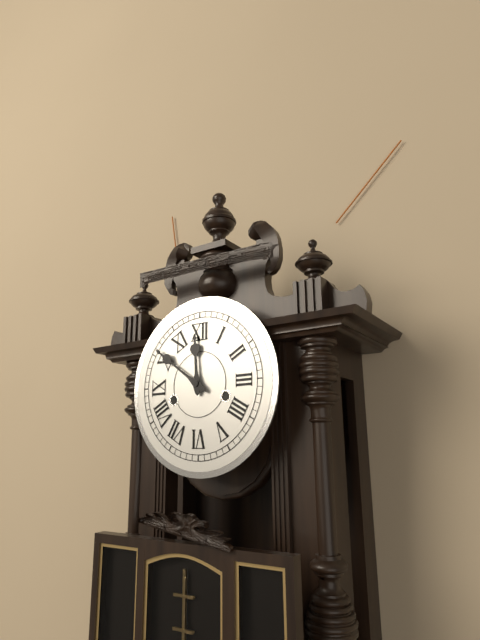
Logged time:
h=11 m=51
